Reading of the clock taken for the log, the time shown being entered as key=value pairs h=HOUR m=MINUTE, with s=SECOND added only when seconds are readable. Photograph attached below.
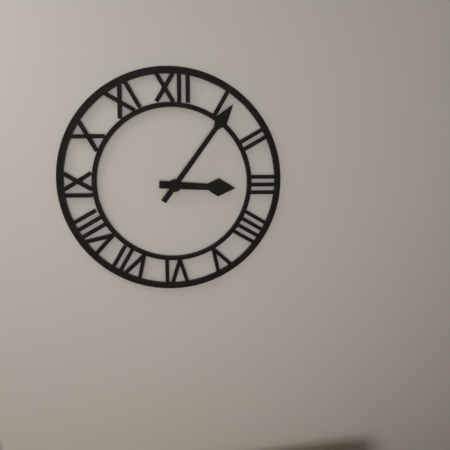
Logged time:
h=3 m=6
